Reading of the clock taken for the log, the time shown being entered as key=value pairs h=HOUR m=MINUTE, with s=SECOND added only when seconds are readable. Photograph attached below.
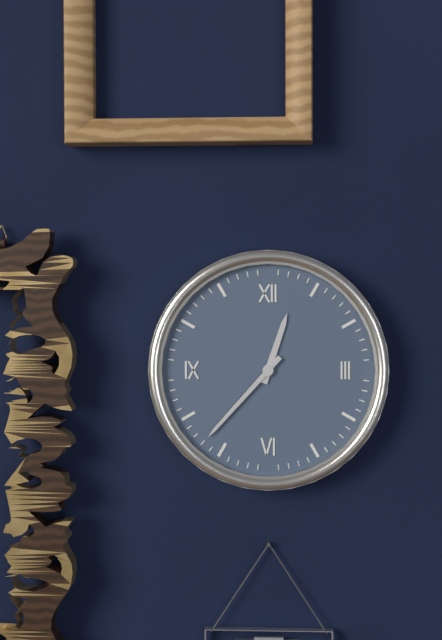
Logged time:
h=12 m=37
